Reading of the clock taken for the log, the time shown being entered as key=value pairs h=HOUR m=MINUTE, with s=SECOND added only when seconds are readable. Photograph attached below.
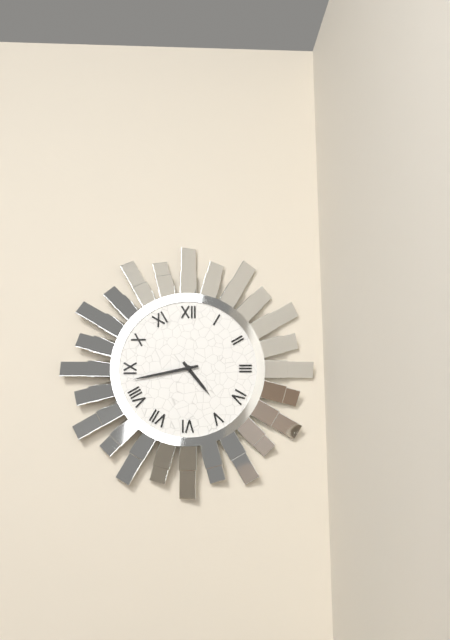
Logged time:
h=4 m=43
